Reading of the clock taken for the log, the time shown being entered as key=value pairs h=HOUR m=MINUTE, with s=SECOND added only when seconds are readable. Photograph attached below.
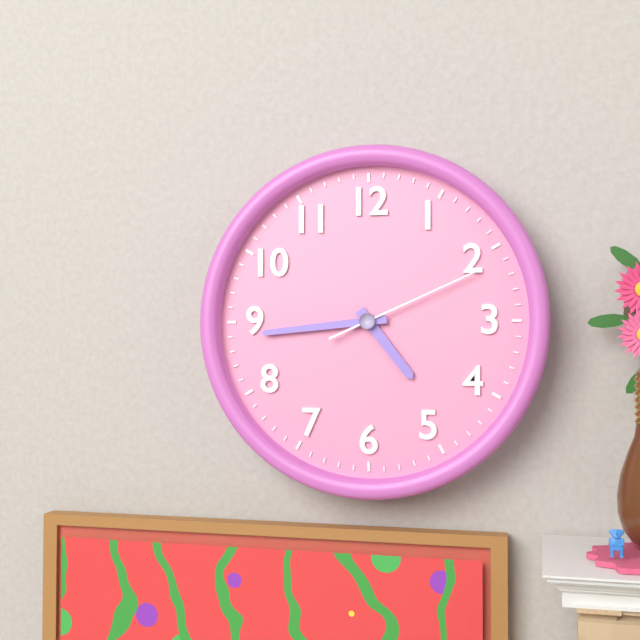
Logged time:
h=4 m=44 s=11
